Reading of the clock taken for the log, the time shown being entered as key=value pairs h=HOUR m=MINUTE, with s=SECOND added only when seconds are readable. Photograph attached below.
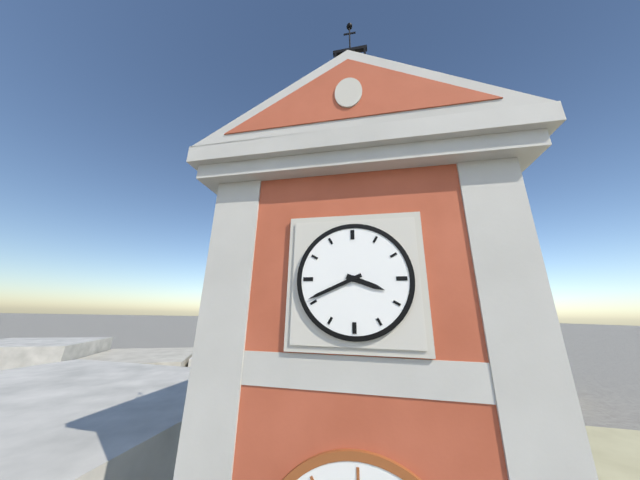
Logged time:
h=3 m=41
